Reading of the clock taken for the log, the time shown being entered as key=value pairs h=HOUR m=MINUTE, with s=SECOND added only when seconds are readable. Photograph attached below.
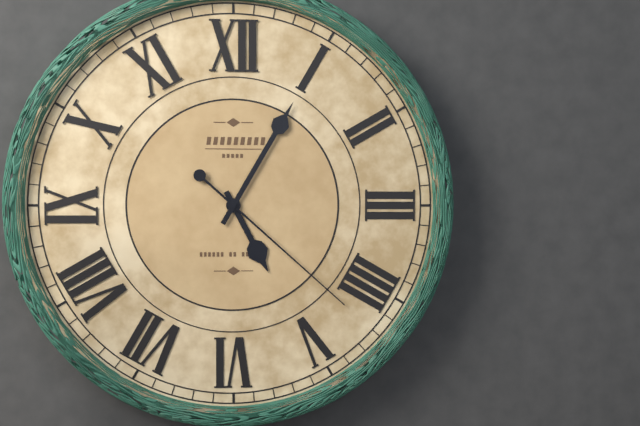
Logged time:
h=5 m=5 s=22
